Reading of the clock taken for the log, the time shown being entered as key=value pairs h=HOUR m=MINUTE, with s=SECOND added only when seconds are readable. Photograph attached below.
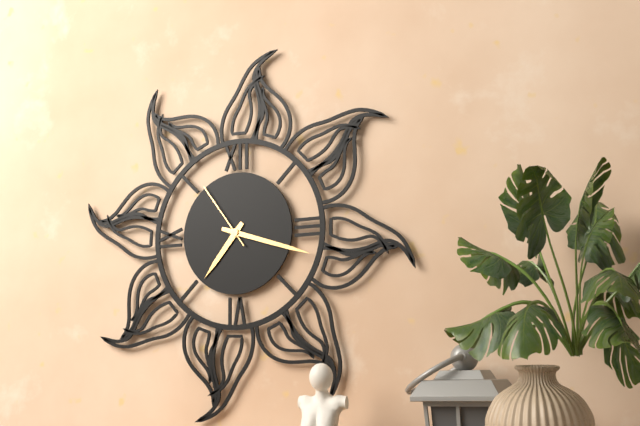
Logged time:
h=7 m=18 s=54
